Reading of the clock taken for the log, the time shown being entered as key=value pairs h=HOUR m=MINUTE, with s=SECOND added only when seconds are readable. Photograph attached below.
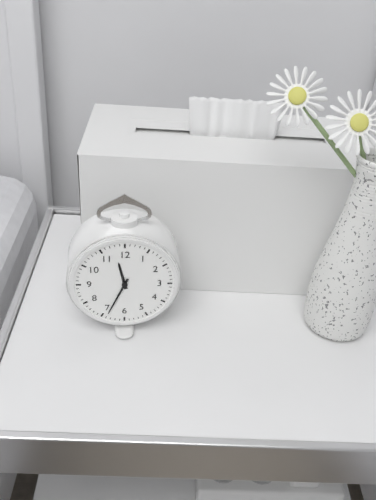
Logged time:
h=11 m=34
